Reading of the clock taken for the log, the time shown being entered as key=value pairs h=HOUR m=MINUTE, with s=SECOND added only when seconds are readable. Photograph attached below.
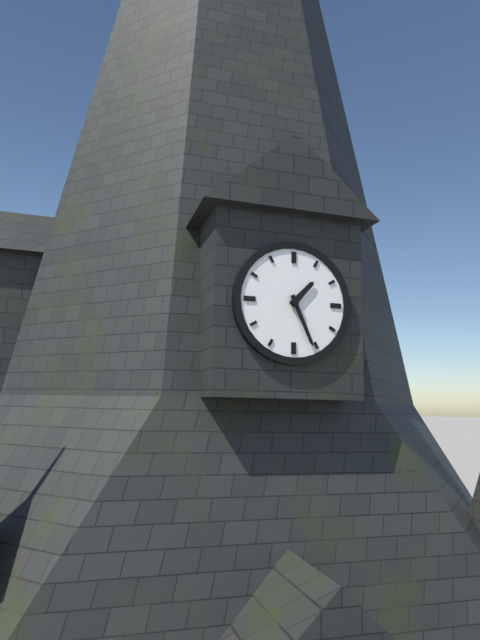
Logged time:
h=1 m=26
